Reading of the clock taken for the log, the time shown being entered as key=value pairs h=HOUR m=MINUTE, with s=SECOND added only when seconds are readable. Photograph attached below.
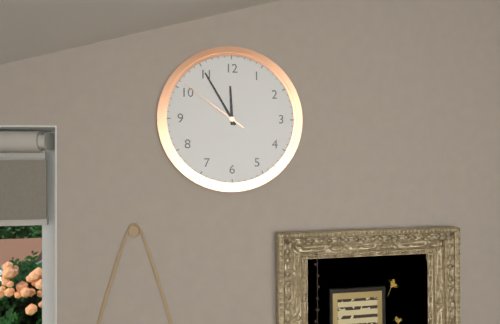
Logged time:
h=11 m=55 s=51
